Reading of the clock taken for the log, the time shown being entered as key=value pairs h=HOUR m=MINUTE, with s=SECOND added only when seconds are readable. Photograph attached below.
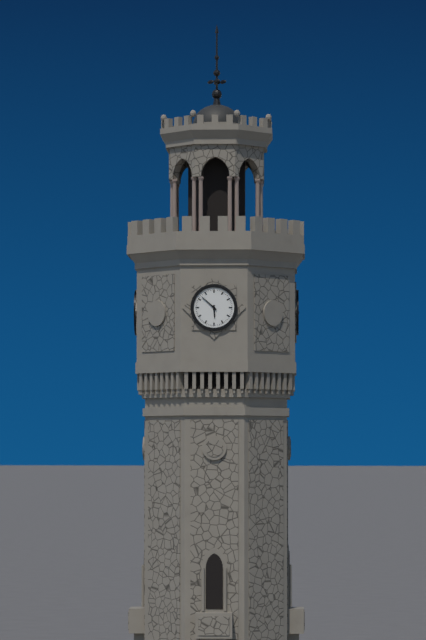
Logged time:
h=5 m=52
